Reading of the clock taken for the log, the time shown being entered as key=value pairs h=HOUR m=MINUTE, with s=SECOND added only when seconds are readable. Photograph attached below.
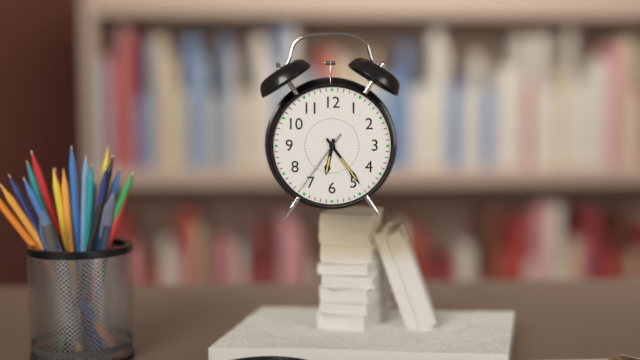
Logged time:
h=6 m=24 s=36
